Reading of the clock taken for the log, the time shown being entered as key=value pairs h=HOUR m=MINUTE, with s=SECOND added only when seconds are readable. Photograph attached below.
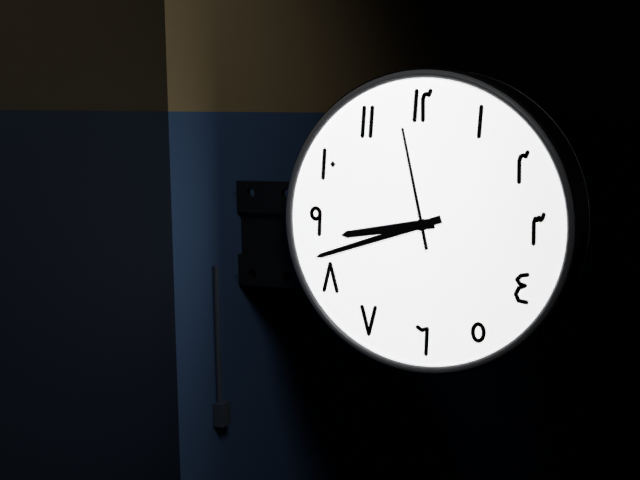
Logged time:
h=8 m=42 s=58
